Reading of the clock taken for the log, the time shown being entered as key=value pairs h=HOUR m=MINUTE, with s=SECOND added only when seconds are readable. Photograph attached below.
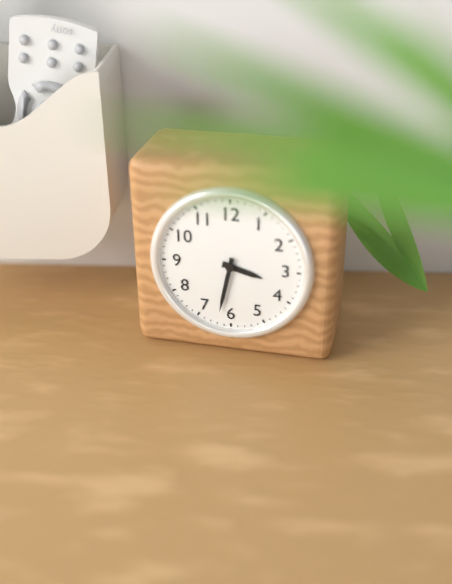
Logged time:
h=3 m=32
